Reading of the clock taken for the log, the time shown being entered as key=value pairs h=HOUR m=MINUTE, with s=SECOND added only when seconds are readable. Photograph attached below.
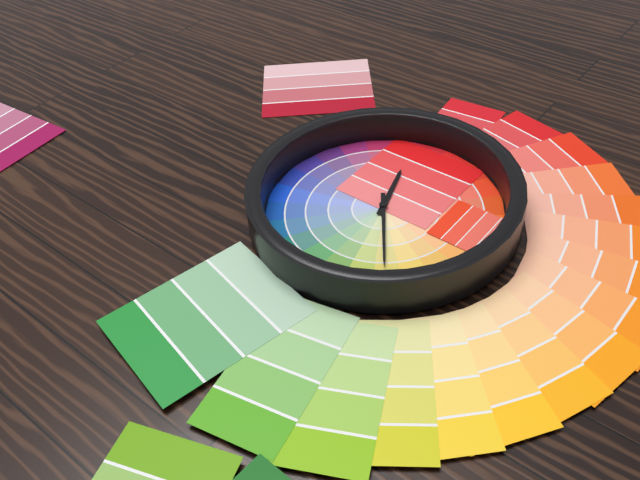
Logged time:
h=11 m=24
